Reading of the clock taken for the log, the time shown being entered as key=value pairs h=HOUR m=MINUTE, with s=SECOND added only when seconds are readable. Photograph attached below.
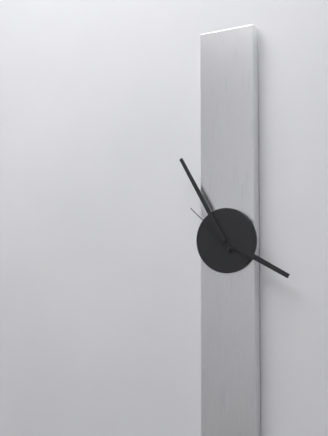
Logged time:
h=3 m=55 s=52
